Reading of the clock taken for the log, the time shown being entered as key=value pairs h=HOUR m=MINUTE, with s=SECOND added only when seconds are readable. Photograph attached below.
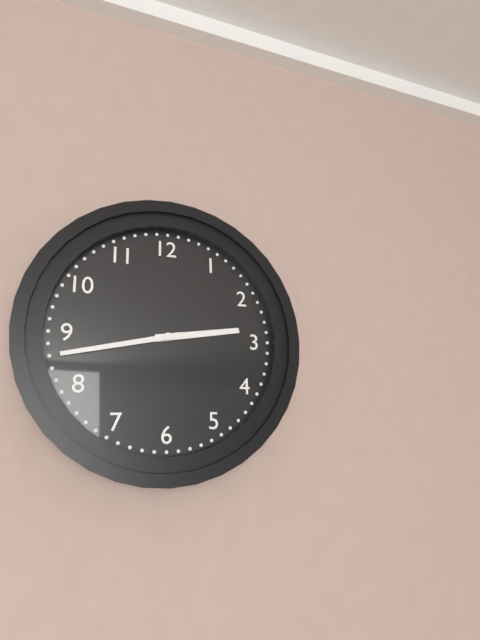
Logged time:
h=2 m=43
